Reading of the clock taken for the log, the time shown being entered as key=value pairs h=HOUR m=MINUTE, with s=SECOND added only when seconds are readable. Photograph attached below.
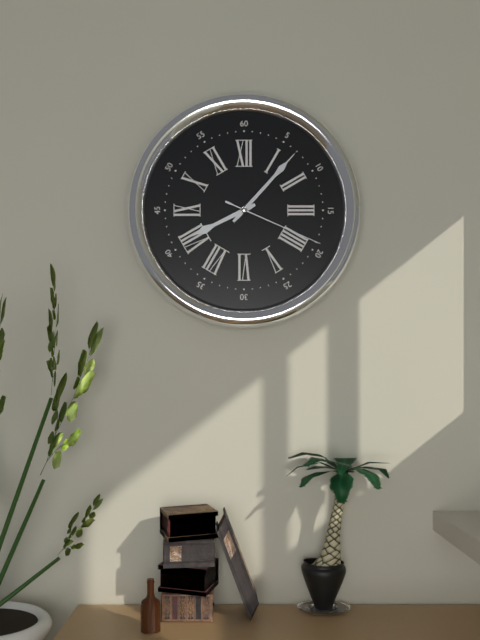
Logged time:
h=8 m=7 s=19
